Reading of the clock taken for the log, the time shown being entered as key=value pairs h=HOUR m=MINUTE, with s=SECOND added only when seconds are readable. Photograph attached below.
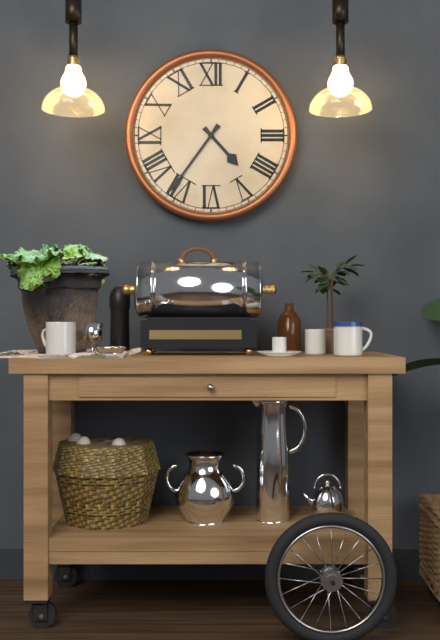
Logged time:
h=4 m=36
